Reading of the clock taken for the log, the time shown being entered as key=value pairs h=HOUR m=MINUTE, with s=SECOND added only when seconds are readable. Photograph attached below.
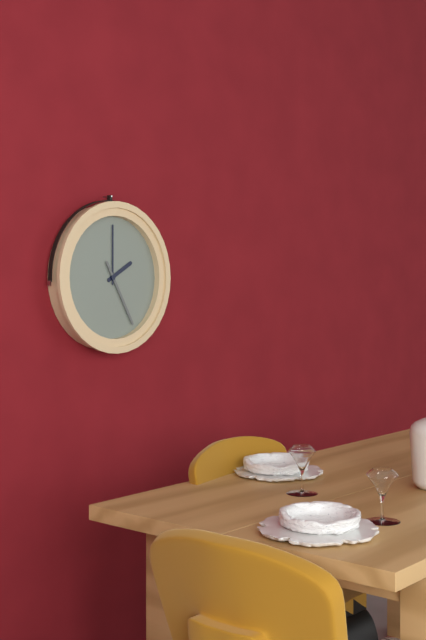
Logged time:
h=2 m=0 s=25
